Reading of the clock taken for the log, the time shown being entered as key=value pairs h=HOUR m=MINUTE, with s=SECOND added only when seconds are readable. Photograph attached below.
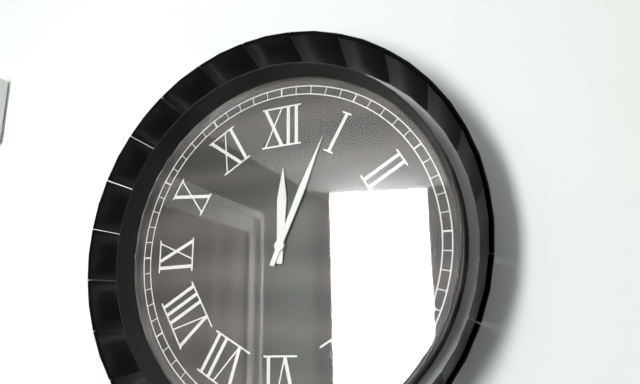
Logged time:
h=12 m=4
